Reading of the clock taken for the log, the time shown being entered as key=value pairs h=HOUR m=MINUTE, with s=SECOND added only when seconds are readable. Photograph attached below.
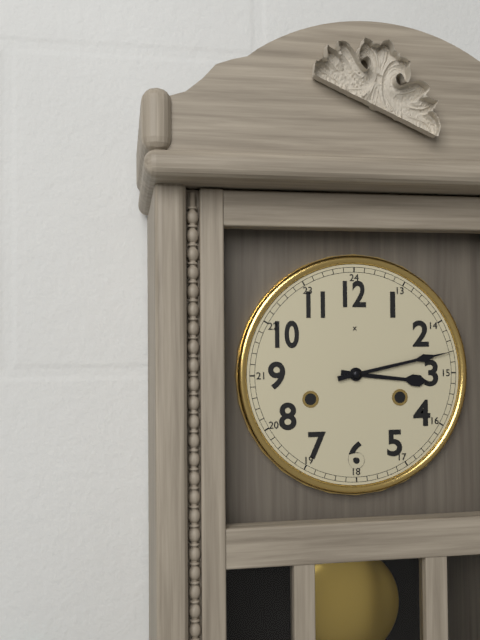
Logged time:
h=3 m=13
